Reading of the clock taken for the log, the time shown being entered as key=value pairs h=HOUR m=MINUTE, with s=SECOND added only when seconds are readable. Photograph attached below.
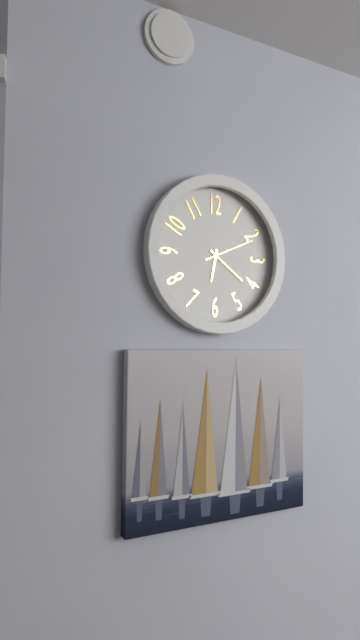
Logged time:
h=6 m=21 s=11
